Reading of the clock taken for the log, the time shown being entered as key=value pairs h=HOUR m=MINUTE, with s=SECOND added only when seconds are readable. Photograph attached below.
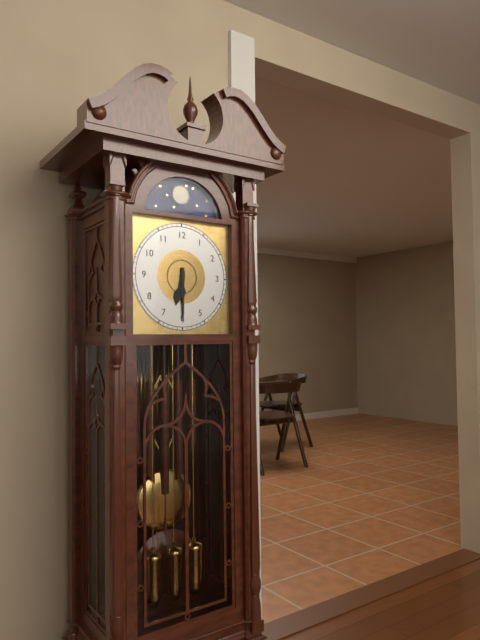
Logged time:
h=6 m=30
